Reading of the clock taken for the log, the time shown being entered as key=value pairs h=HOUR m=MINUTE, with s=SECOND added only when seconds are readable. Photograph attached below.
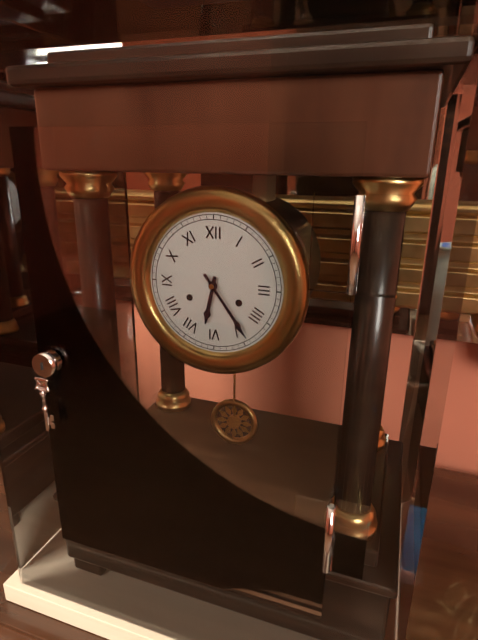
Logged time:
h=6 m=24
